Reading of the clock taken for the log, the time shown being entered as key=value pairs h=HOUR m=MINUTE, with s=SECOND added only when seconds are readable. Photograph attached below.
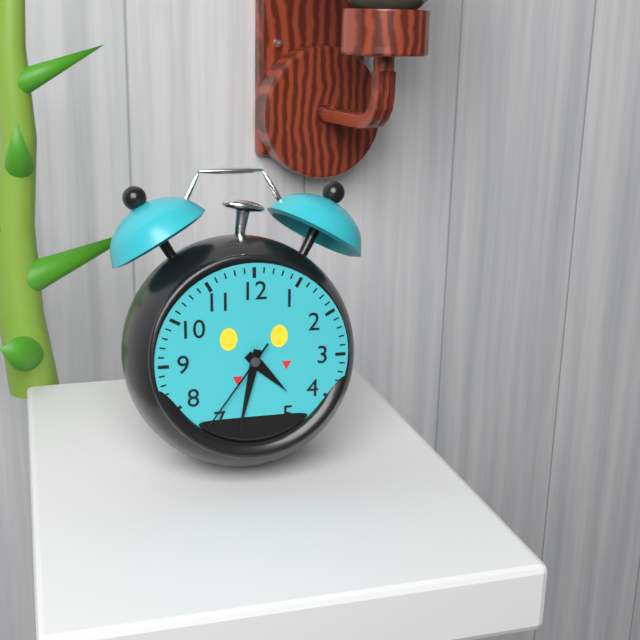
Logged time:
h=4 m=32 s=36
